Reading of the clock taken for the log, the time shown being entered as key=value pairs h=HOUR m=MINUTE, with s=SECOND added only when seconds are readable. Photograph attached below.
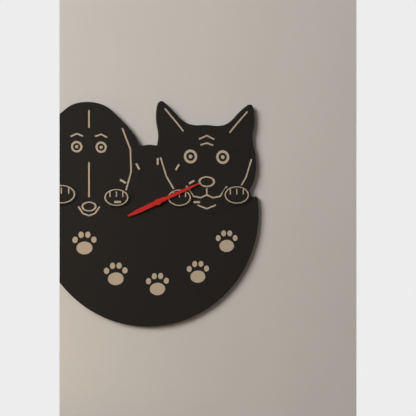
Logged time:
h=8 m=11
